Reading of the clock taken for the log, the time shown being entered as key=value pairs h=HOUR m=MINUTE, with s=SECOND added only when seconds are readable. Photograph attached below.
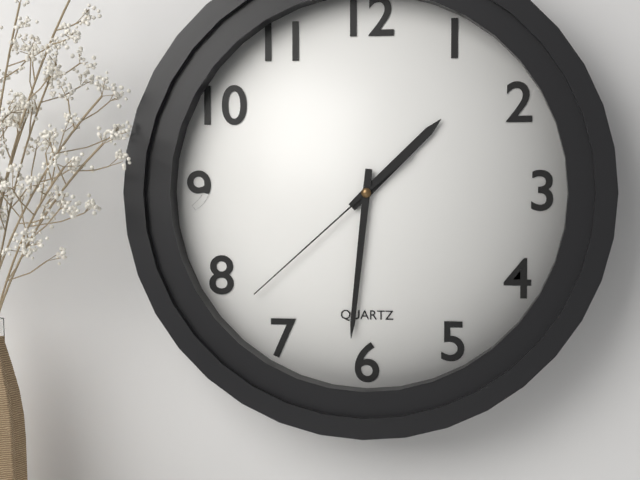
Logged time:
h=1 m=31 s=38
